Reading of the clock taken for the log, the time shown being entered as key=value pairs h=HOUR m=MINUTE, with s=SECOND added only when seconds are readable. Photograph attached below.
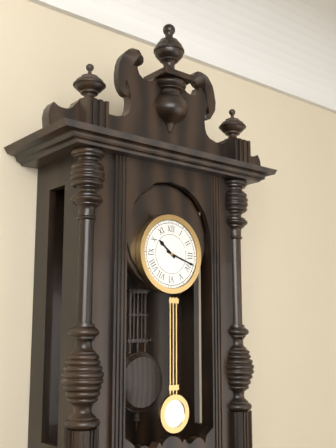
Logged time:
h=10 m=18
